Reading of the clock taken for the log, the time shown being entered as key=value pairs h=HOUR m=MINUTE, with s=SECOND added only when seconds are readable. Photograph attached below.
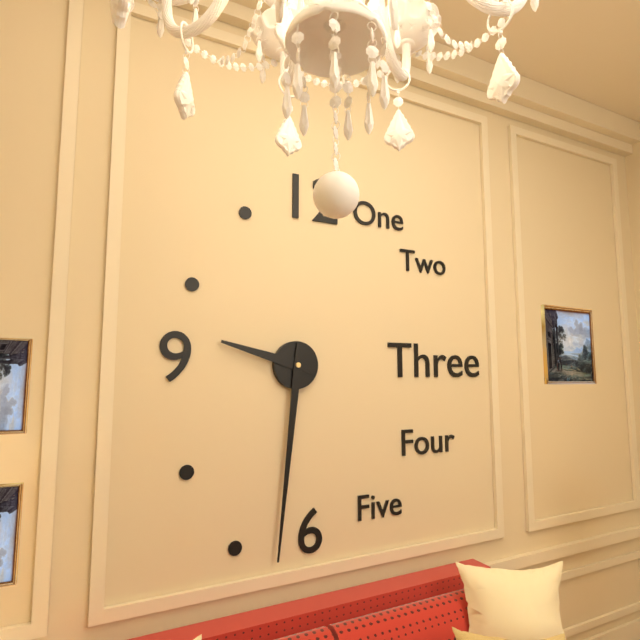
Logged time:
h=9 m=31
